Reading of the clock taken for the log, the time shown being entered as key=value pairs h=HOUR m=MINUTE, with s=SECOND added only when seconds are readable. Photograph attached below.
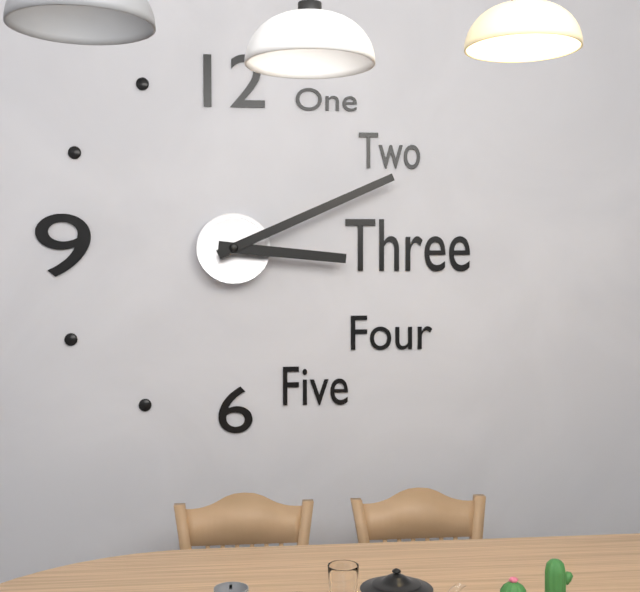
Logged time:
h=3 m=11
